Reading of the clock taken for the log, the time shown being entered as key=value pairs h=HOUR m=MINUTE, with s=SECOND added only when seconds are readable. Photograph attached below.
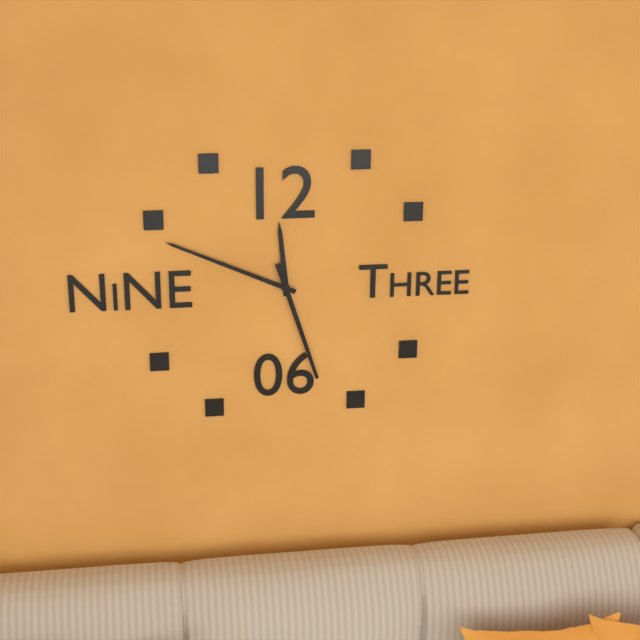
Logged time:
h=11 m=49 s=27
